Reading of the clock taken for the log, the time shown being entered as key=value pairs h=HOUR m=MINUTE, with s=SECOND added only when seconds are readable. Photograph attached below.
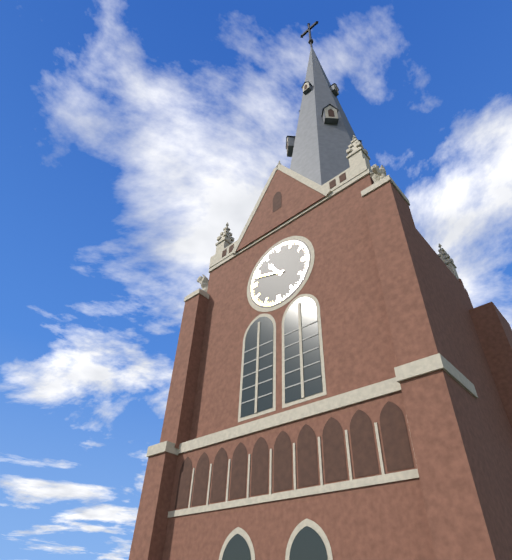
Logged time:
h=10 m=48
